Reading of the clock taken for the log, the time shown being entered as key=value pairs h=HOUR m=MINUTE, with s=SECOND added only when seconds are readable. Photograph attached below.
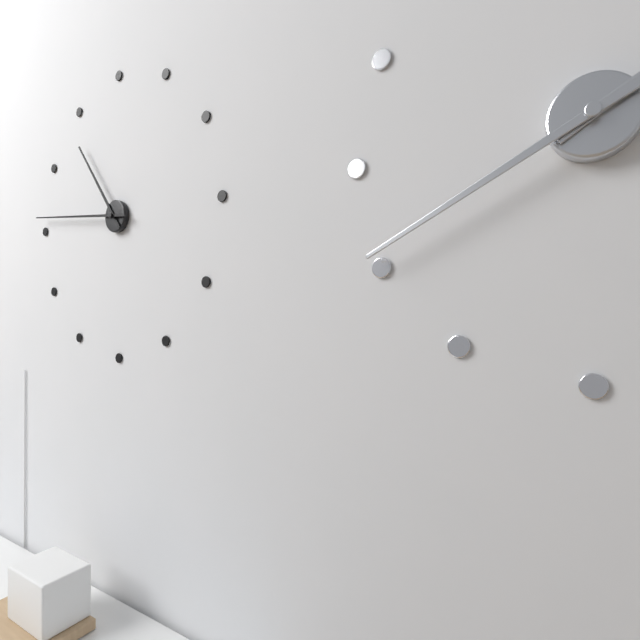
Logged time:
h=10 m=46
